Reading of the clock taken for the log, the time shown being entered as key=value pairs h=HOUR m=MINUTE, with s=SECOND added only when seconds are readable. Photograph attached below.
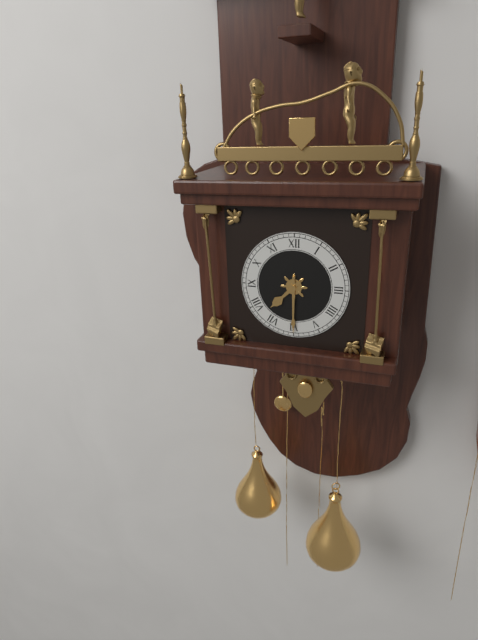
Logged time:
h=7 m=30
